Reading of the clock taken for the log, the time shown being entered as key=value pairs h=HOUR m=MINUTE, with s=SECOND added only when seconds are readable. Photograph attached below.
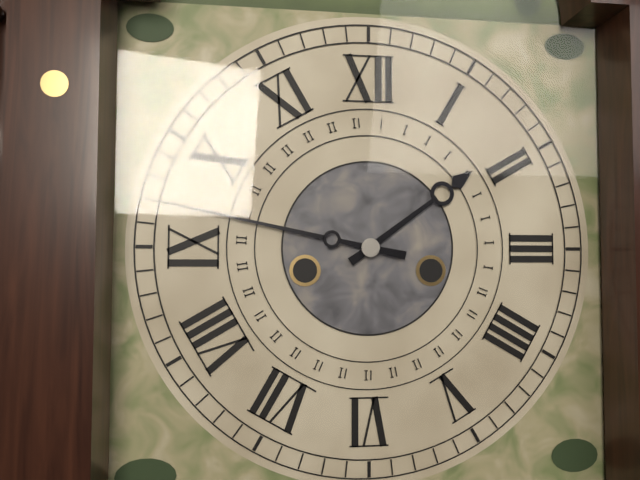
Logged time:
h=1 m=47
